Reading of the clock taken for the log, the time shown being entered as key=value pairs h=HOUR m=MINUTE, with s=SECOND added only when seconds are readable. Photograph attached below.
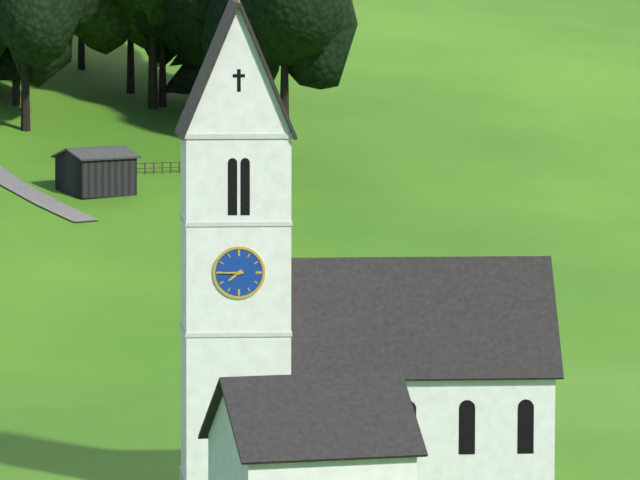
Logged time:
h=7 m=45
